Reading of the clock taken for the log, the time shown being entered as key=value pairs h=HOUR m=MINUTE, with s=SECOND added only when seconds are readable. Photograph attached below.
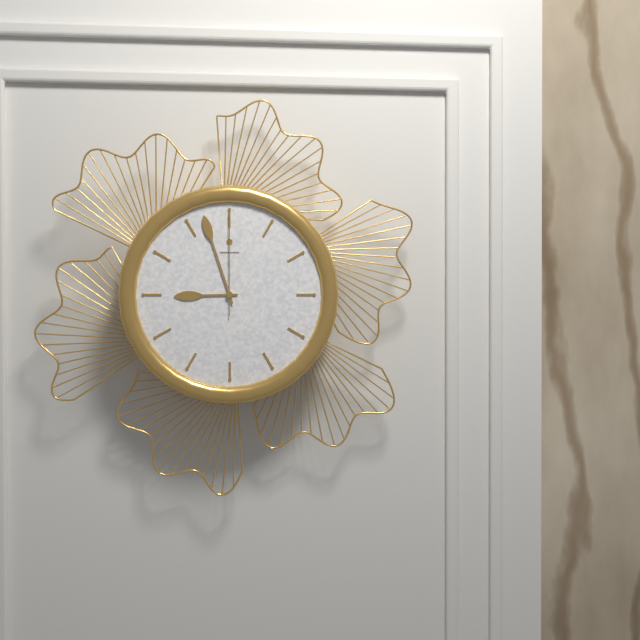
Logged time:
h=8 m=57 s=0
